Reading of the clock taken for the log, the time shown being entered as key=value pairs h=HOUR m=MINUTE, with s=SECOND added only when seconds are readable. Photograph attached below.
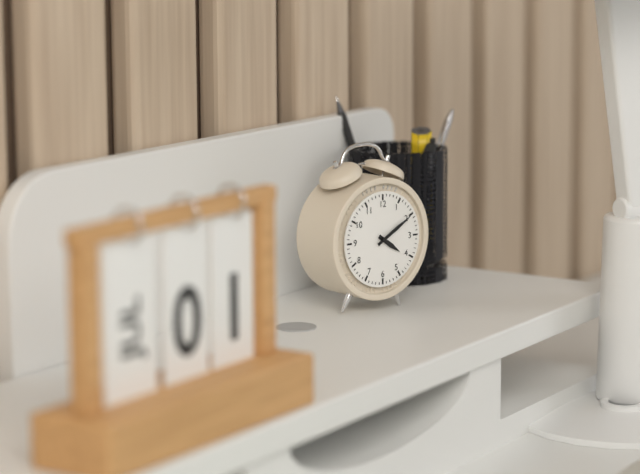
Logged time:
h=4 m=10
